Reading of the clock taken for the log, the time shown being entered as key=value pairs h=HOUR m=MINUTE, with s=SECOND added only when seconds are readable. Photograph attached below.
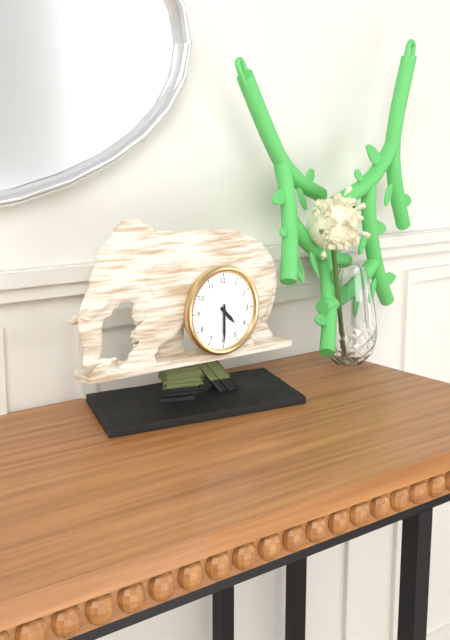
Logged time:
h=4 m=30
